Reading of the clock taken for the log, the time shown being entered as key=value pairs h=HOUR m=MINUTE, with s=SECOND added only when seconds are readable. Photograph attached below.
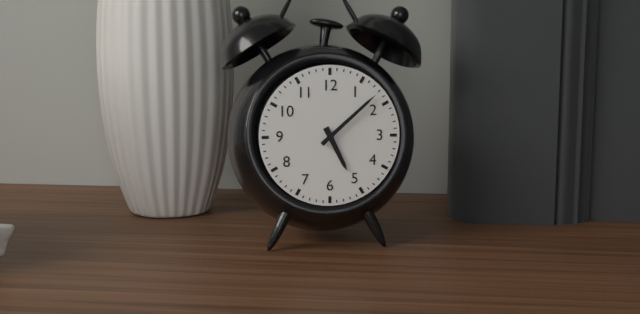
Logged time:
h=5 m=8
